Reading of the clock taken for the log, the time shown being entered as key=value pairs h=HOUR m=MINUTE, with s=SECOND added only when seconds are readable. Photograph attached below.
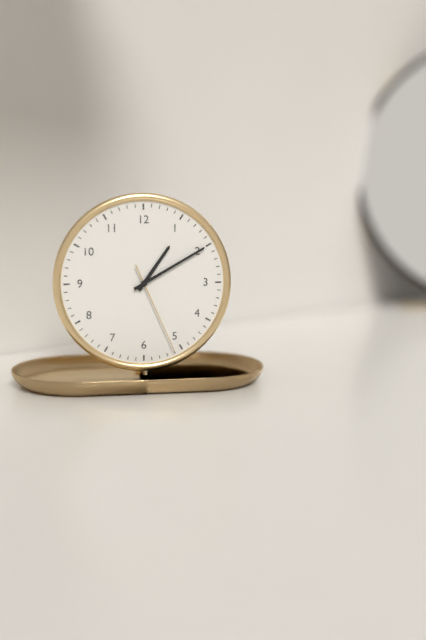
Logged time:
h=1 m=10 s=26
